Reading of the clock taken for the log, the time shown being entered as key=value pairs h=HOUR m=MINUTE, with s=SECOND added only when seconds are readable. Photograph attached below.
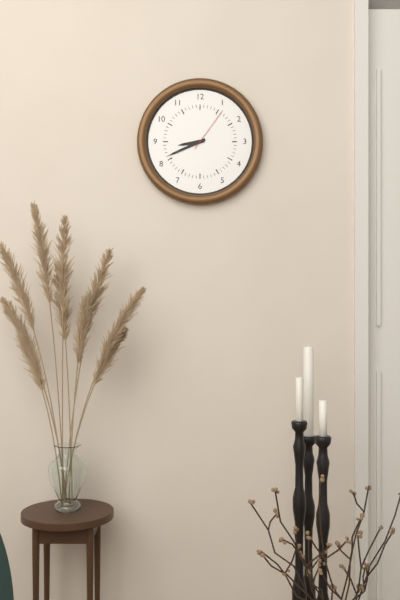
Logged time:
h=8 m=41
